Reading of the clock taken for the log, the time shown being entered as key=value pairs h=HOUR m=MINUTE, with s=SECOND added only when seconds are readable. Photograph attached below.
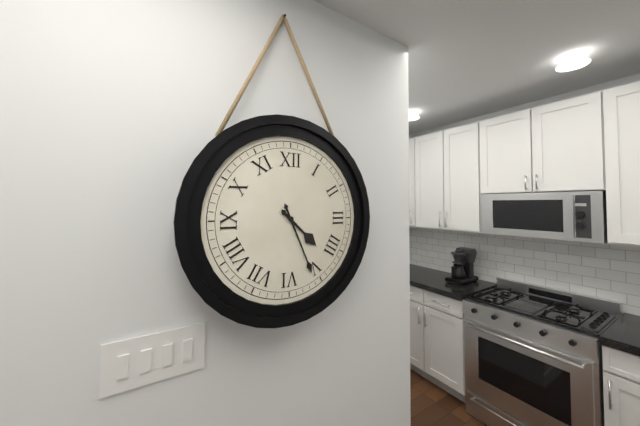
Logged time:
h=4 m=26
